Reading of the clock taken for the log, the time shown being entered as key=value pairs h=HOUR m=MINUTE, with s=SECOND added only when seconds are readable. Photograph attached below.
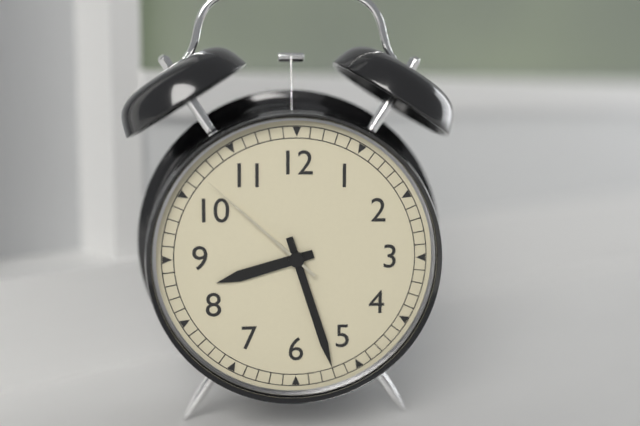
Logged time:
h=8 m=27 s=52
